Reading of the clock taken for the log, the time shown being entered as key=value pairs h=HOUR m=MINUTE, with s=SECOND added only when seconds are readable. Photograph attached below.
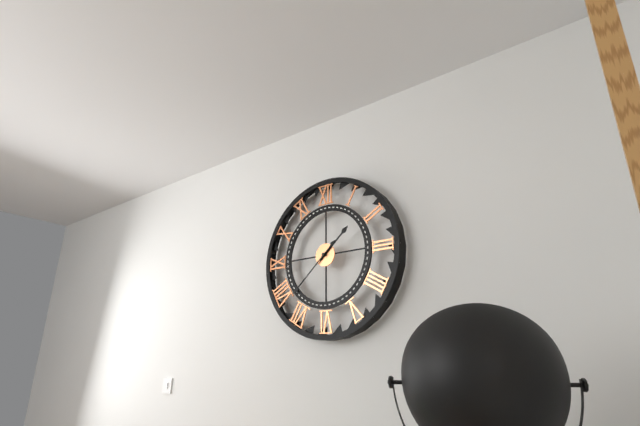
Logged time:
h=1 m=38
